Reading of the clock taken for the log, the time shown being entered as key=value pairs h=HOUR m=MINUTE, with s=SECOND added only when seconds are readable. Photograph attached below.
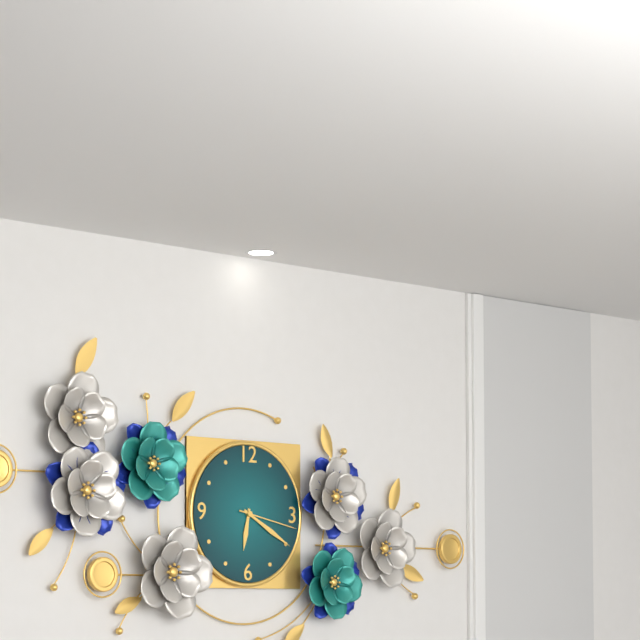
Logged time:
h=6 m=20 s=17
